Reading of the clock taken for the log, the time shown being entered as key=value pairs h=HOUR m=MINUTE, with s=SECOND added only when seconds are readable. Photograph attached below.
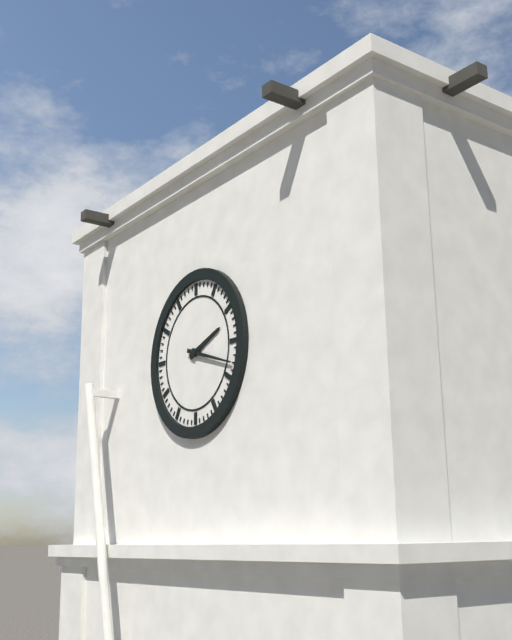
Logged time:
h=2 m=18
